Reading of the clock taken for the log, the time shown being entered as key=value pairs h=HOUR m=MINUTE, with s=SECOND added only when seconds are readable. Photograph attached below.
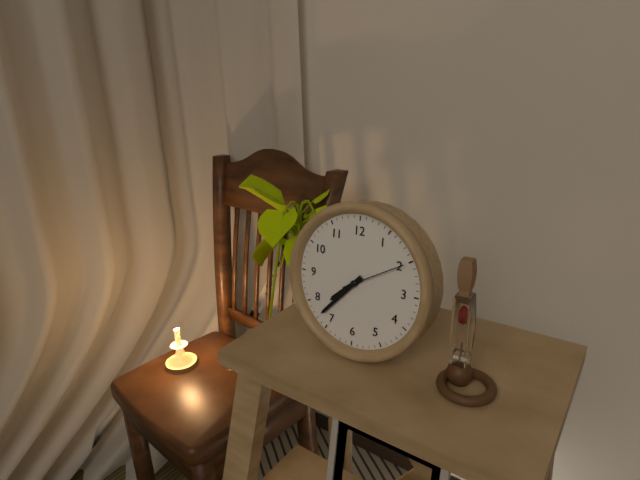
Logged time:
h=7 m=37 s=10
